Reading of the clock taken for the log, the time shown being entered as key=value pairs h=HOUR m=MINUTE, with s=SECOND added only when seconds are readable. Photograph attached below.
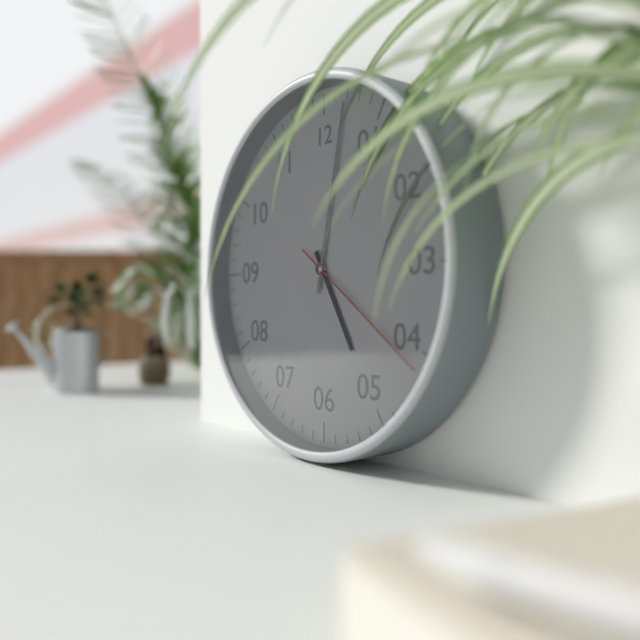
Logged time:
h=5 m=2 s=21
